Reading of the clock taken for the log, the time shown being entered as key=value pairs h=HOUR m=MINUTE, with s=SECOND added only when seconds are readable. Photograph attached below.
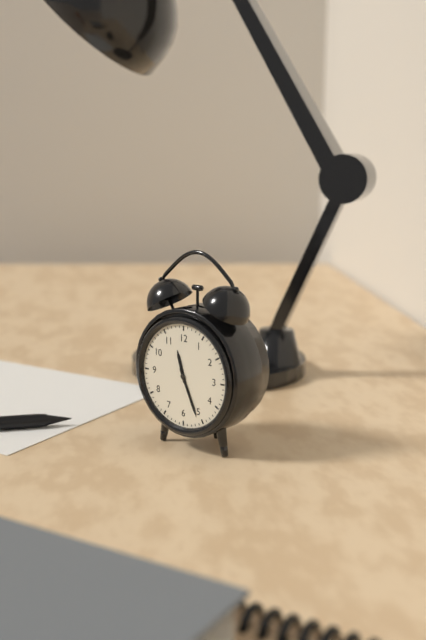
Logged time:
h=11 m=26
